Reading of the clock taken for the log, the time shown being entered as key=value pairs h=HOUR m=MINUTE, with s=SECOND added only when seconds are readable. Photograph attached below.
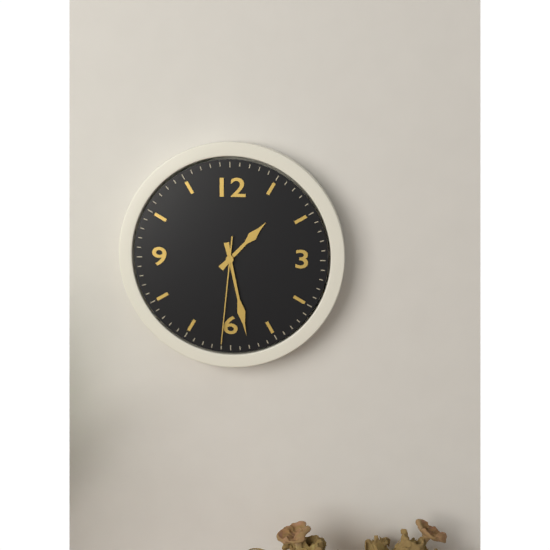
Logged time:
h=1 m=28 s=31
